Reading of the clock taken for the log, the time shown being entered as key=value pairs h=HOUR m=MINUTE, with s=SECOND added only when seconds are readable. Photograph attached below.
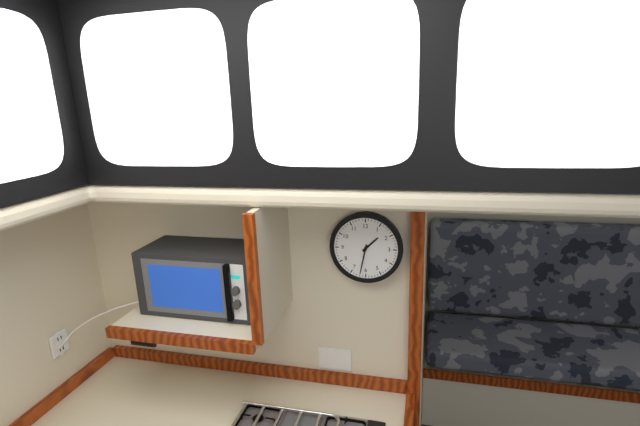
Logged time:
h=1 m=32
